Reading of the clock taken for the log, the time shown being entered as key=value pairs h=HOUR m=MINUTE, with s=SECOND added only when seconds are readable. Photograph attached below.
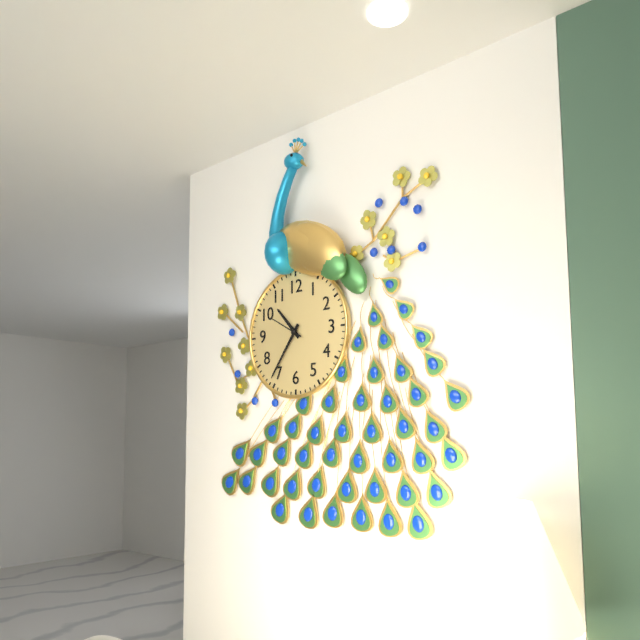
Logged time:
h=10 m=36
